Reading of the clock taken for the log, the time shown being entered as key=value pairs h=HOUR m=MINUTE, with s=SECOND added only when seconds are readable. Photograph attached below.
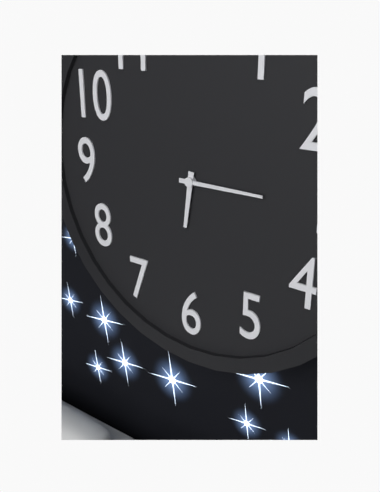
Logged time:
h=6 m=15
